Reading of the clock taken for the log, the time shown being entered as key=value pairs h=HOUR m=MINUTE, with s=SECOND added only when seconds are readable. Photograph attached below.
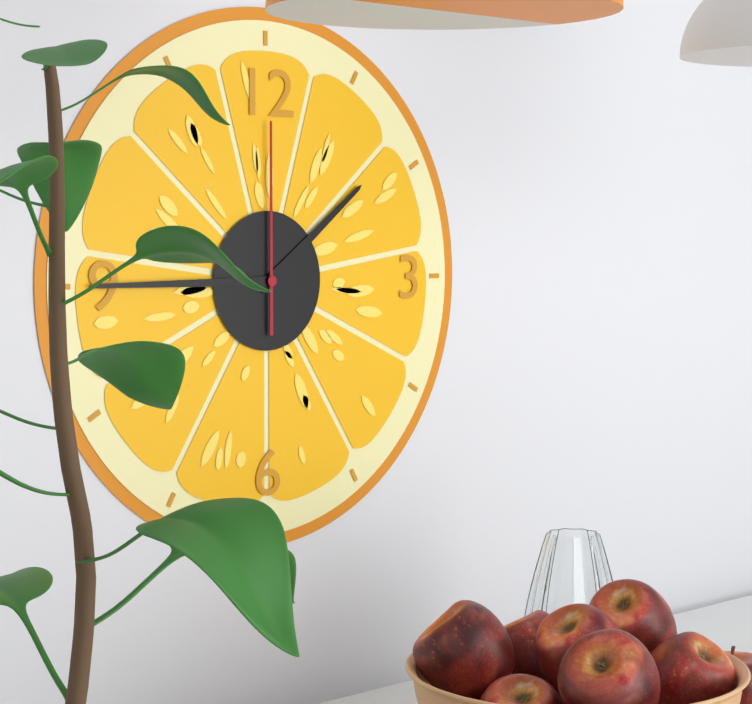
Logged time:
h=1 m=45 s=0
